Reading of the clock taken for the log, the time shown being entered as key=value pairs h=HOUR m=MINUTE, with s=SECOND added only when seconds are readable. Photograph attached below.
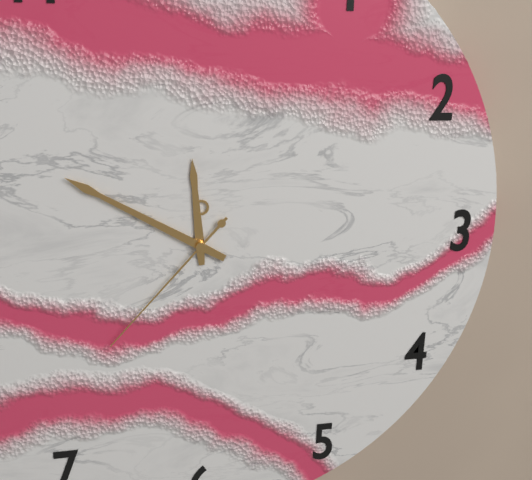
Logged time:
h=11 m=50 s=37
